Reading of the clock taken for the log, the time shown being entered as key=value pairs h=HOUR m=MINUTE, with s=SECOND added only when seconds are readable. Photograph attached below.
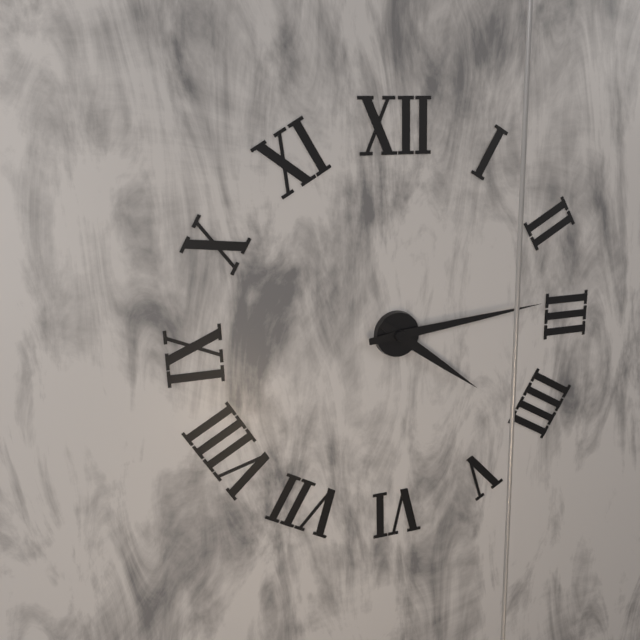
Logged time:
h=4 m=14
